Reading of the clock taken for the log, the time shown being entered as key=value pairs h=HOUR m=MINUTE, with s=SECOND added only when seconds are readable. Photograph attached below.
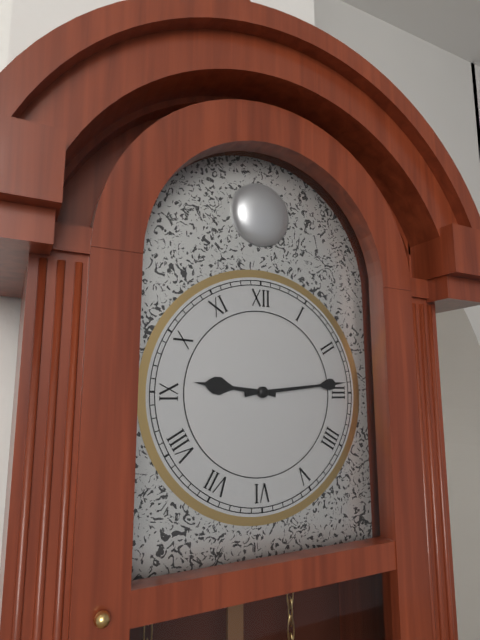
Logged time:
h=9 m=14
